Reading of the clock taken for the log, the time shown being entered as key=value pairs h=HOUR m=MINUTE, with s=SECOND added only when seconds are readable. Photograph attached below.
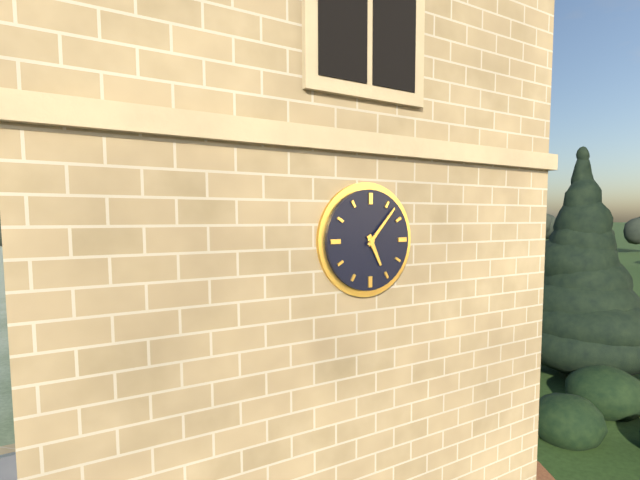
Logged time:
h=5 m=7
